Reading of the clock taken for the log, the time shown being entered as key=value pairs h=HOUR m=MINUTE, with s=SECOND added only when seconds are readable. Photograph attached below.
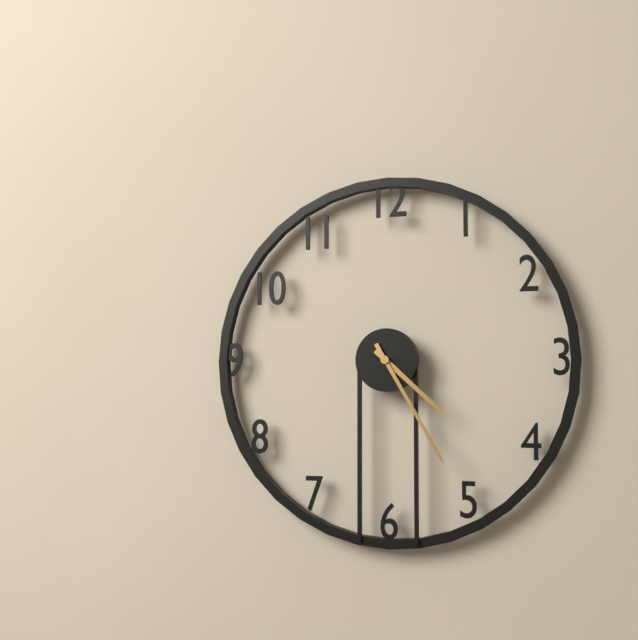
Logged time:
h=4 m=25
